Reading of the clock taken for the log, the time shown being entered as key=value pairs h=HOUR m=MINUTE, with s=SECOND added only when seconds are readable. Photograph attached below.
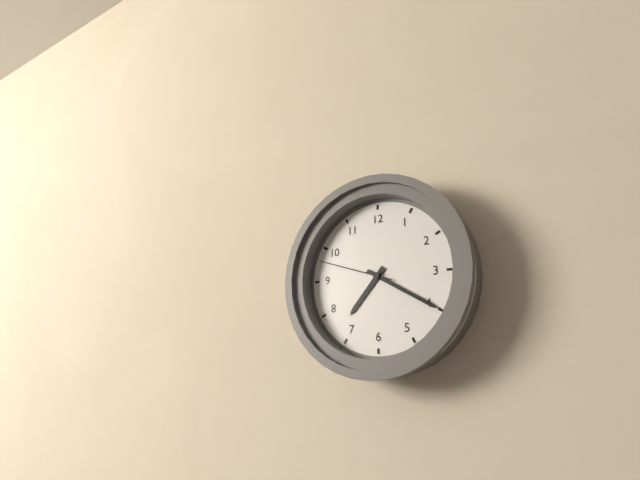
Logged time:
h=7 m=20 s=48
